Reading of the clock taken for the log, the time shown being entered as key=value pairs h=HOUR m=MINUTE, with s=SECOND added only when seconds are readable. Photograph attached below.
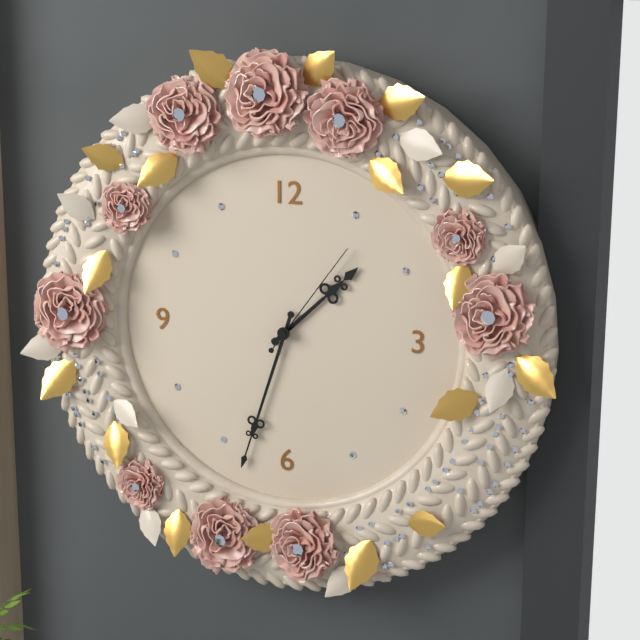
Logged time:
h=1 m=33 s=6
